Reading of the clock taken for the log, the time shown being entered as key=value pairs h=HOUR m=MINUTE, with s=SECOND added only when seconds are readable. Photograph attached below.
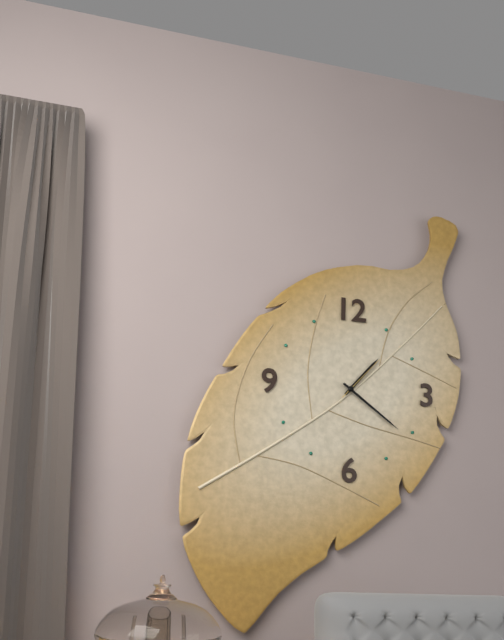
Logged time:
h=1 m=21 s=7
